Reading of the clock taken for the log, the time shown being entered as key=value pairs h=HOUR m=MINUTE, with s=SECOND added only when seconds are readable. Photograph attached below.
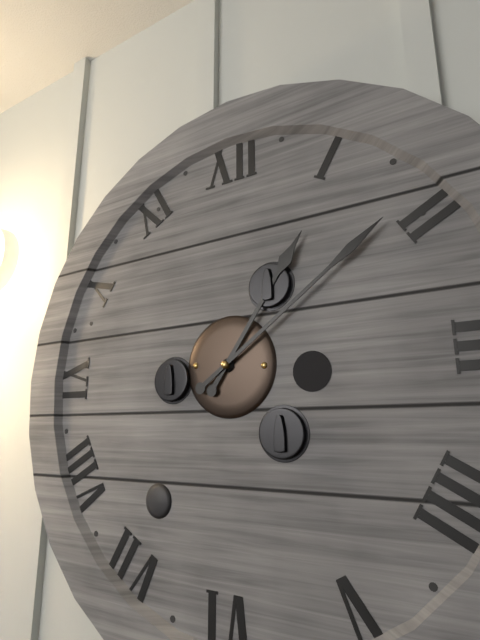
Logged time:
h=1 m=9
